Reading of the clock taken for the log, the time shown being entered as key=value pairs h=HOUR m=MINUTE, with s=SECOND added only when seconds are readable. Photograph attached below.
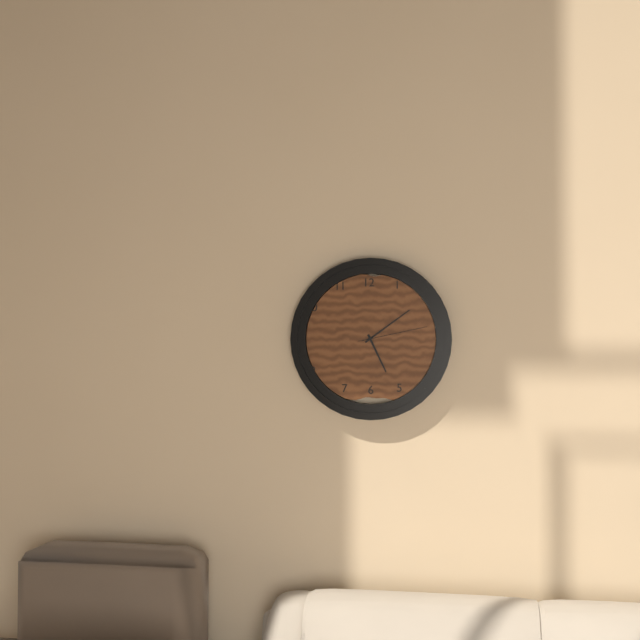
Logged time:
h=5 m=9 s=13
